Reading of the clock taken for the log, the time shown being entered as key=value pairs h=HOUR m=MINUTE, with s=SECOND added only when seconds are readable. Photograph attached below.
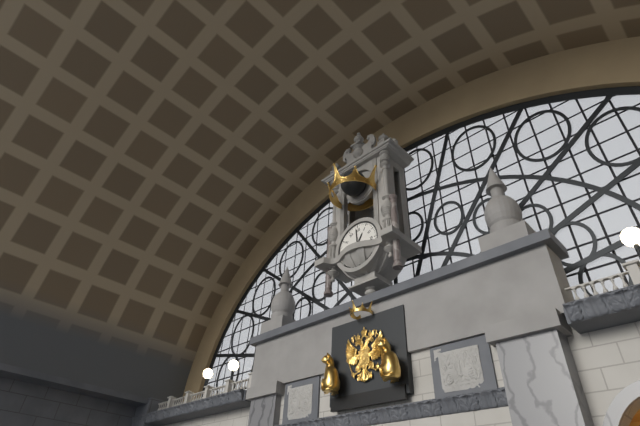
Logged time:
h=12 m=59
